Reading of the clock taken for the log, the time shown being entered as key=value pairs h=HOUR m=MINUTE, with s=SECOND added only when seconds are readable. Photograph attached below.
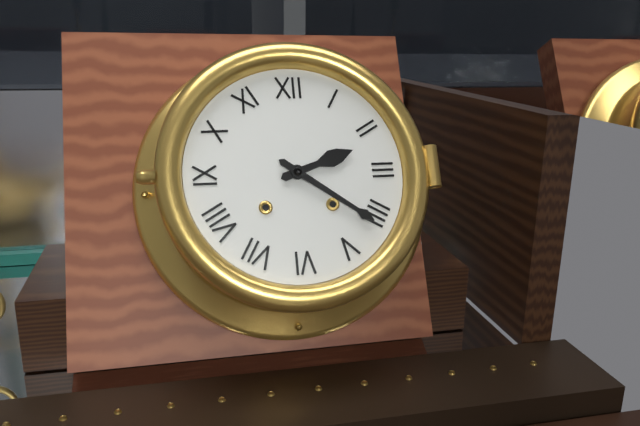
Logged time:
h=2 m=21
